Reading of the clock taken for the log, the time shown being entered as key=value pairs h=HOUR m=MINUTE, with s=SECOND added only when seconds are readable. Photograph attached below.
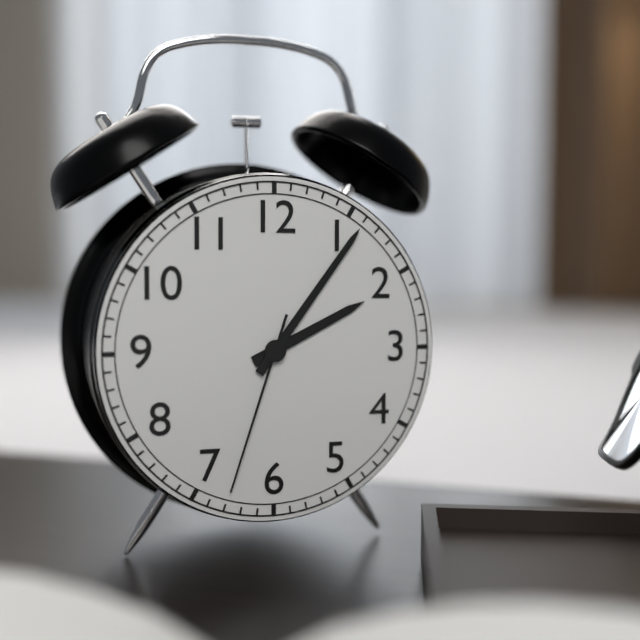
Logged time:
h=2 m=6 s=33
